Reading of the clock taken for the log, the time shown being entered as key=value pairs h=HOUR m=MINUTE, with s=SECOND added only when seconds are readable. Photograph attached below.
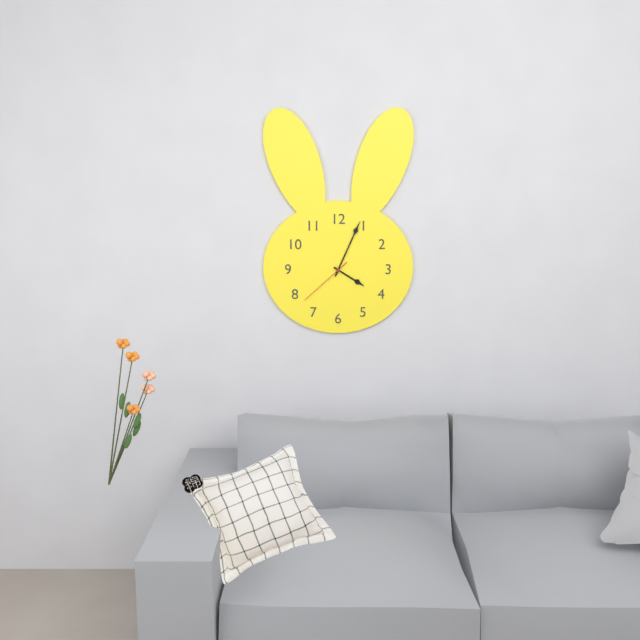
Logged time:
h=4 m=4 s=38
